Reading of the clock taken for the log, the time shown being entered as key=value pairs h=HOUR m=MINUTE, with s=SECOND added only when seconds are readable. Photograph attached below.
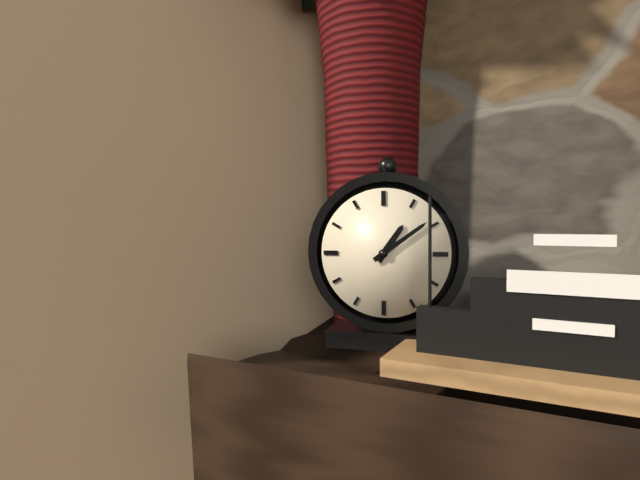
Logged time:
h=1 m=9
